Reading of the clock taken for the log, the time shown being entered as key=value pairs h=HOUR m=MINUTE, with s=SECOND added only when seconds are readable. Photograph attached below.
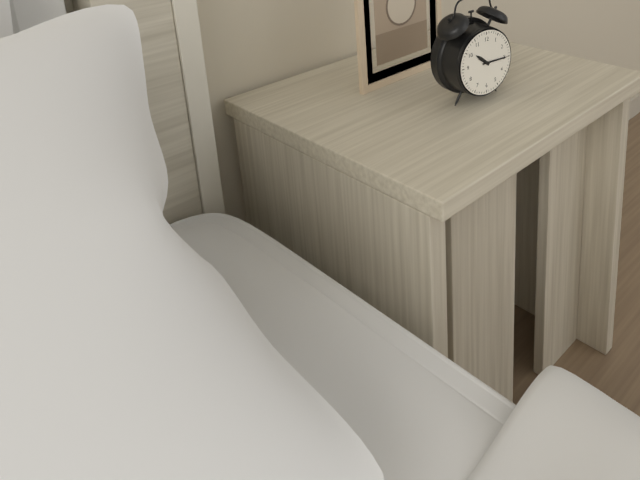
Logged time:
h=10 m=15
